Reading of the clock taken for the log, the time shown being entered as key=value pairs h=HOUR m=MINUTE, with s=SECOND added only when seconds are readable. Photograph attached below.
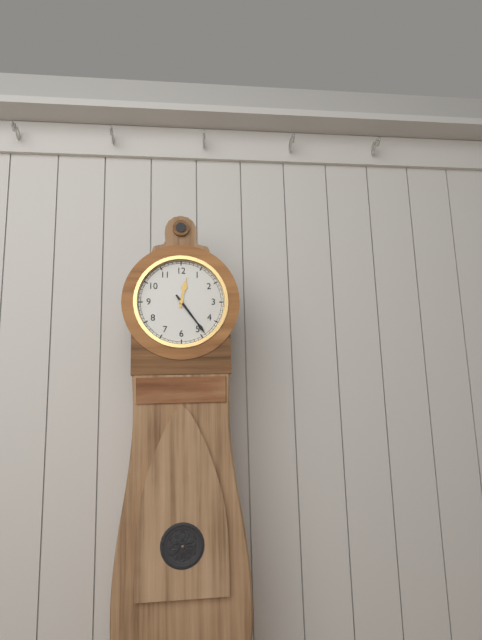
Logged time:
h=12 m=24
